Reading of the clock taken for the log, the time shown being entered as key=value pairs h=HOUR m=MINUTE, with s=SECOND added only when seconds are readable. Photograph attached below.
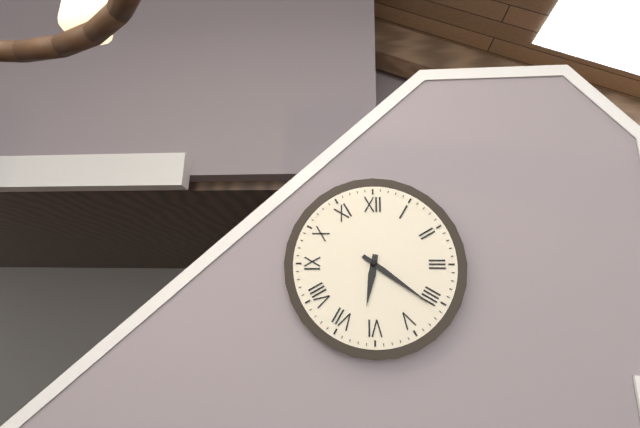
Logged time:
h=6 m=21
